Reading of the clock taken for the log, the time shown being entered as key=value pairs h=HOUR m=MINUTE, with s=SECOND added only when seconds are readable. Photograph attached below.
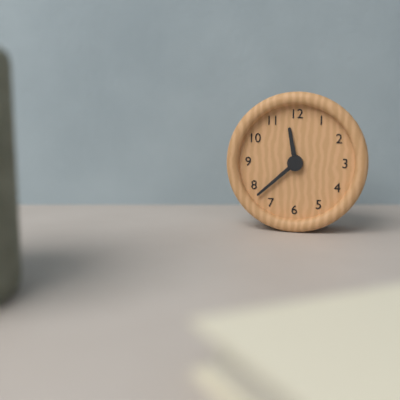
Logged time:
h=11 m=38
